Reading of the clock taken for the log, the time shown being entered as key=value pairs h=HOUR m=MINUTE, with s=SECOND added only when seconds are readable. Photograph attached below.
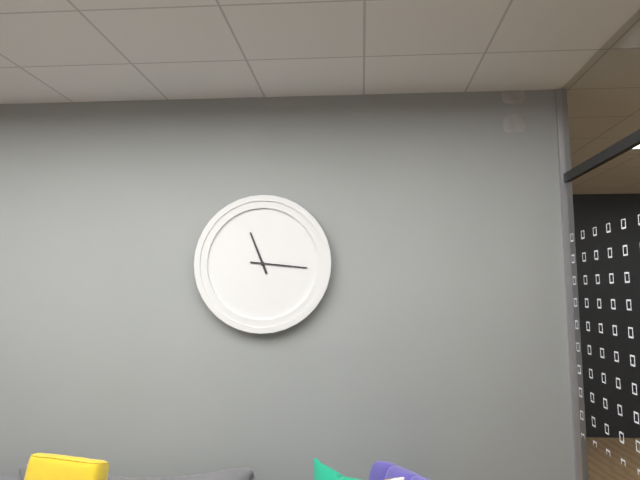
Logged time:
h=11 m=16
